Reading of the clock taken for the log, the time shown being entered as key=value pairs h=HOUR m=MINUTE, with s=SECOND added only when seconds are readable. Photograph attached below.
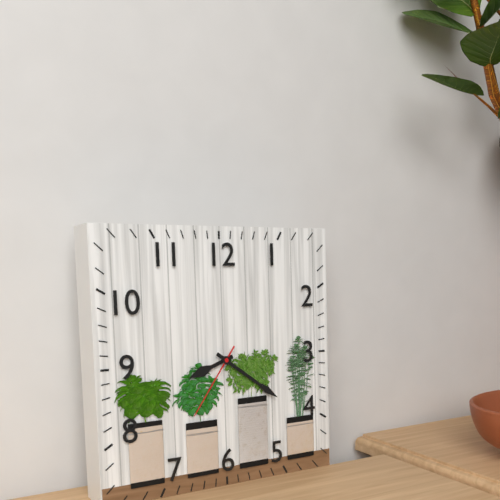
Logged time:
h=8 m=21 s=36
